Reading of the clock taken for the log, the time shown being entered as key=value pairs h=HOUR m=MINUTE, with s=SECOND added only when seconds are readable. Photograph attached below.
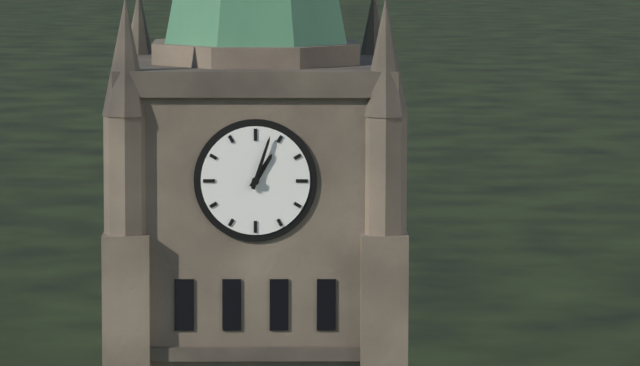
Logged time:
h=1 m=3
